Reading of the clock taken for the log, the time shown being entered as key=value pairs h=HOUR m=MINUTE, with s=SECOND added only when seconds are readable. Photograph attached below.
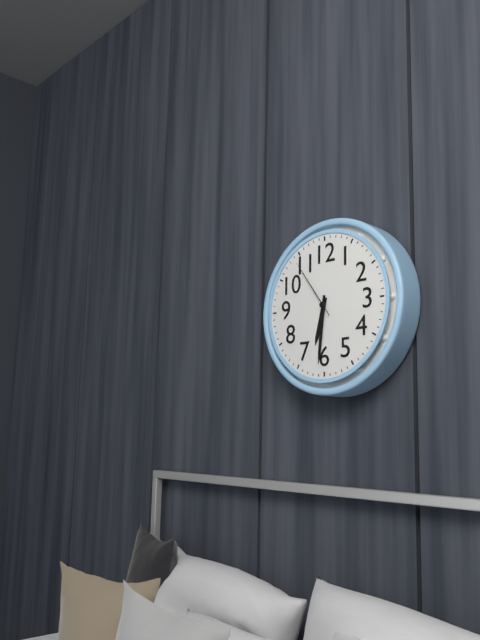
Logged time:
h=6 m=31 s=54
